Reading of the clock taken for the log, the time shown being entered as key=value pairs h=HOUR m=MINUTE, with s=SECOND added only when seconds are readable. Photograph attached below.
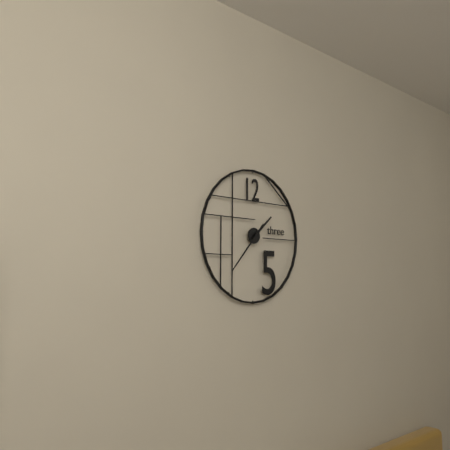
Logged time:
h=1 m=37
